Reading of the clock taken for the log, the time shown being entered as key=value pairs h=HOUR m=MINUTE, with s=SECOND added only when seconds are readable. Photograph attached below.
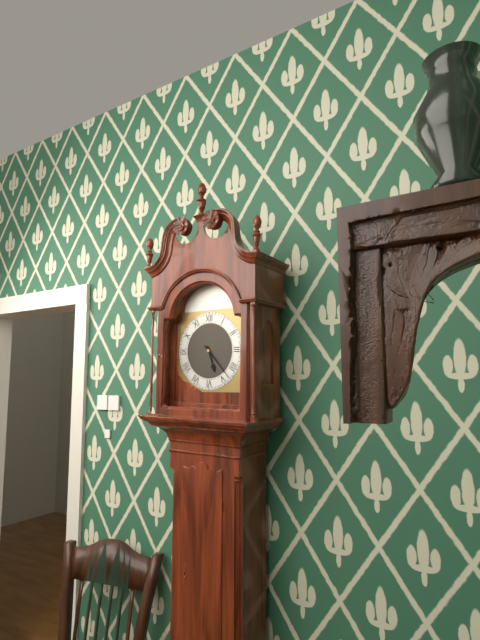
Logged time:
h=5 m=23
